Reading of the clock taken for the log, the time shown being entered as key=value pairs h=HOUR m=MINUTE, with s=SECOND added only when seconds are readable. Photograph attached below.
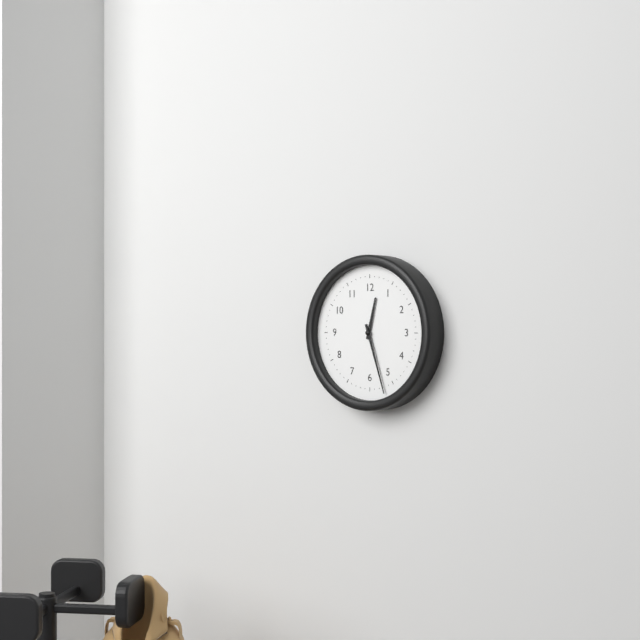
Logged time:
h=12 m=27
